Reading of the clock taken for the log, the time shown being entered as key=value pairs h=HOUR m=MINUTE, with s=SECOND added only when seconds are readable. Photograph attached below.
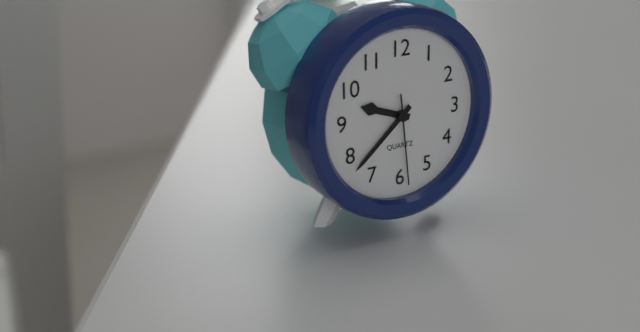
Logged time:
h=9 m=38 s=29
